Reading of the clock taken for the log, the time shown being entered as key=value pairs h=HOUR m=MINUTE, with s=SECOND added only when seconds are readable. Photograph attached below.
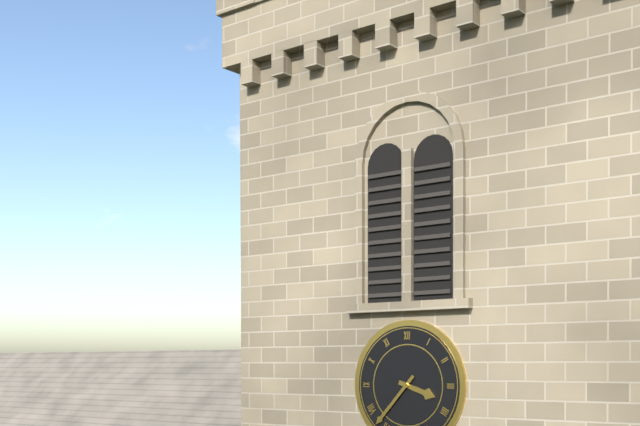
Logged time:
h=3 m=37
